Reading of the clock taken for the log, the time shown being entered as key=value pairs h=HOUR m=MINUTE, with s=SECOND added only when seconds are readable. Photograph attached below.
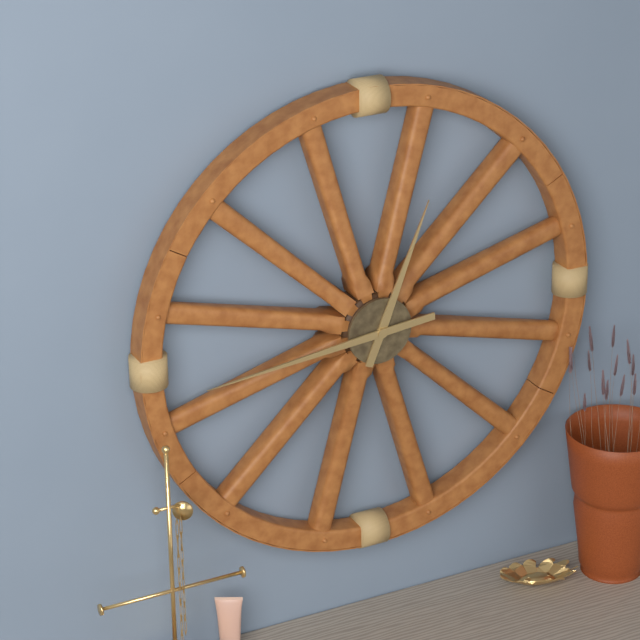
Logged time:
h=12 m=44
